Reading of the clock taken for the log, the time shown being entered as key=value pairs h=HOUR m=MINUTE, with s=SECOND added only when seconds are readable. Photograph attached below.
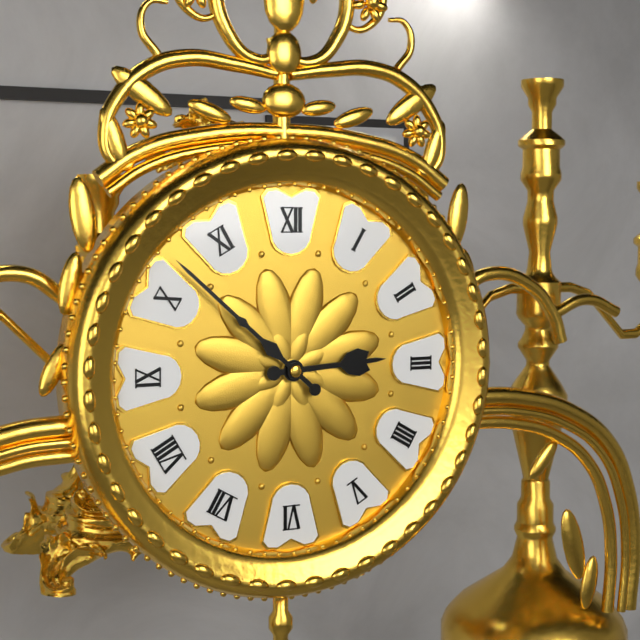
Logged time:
h=2 m=52
